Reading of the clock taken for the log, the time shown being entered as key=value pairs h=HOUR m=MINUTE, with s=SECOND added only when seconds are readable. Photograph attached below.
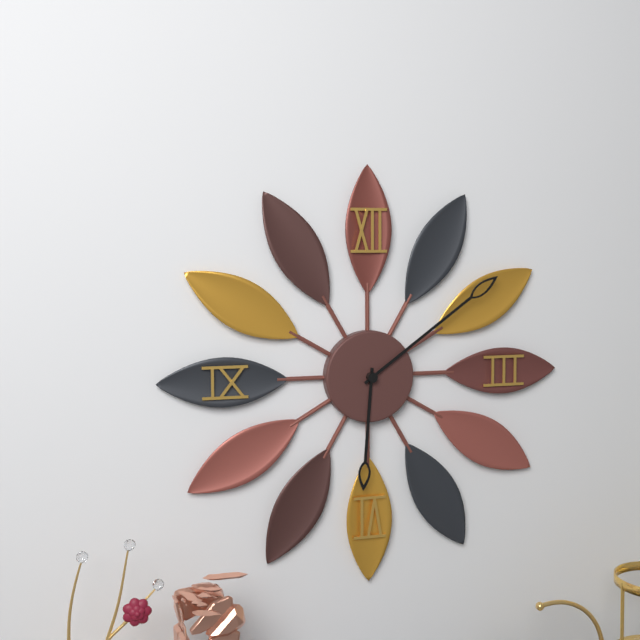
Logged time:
h=6 m=9
